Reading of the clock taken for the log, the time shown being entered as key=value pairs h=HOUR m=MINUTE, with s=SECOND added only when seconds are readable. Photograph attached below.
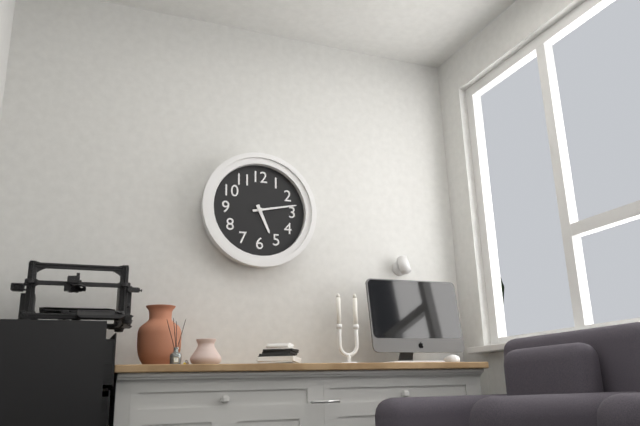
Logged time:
h=5 m=13
